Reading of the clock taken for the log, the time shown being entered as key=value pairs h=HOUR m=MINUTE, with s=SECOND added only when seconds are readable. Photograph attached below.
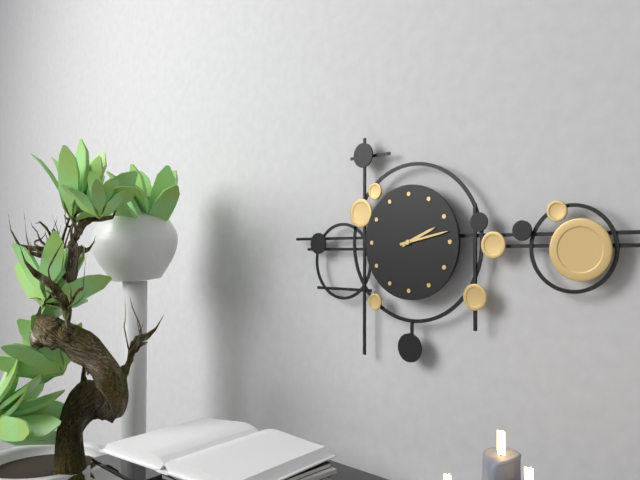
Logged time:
h=2 m=13
